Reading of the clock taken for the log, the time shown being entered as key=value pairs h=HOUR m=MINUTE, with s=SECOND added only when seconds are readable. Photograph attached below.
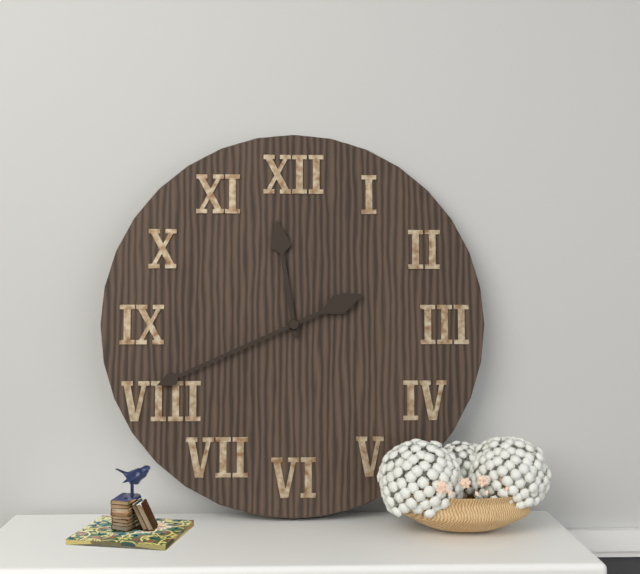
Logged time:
h=11 m=41
